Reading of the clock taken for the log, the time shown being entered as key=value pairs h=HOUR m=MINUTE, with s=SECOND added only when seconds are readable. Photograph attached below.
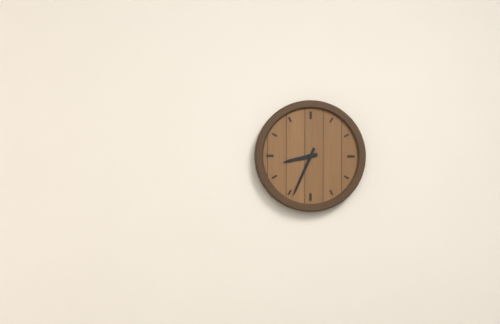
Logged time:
h=8 m=34
